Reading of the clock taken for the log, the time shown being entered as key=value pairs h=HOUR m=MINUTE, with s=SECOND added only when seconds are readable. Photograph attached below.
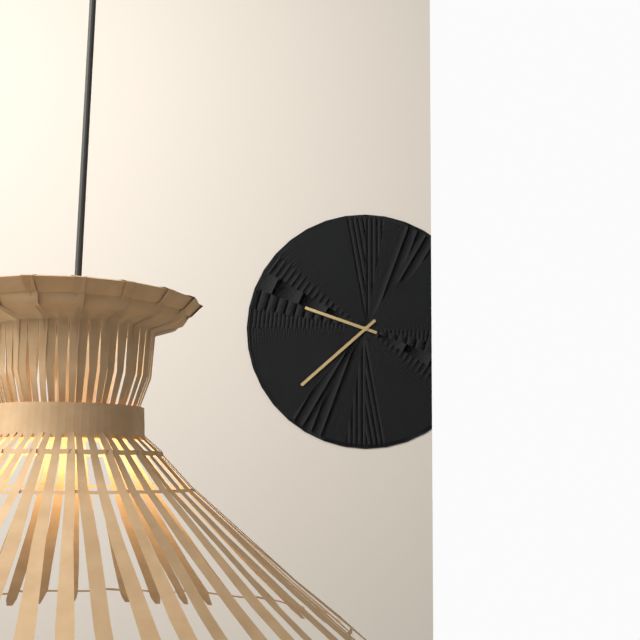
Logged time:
h=9 m=38
